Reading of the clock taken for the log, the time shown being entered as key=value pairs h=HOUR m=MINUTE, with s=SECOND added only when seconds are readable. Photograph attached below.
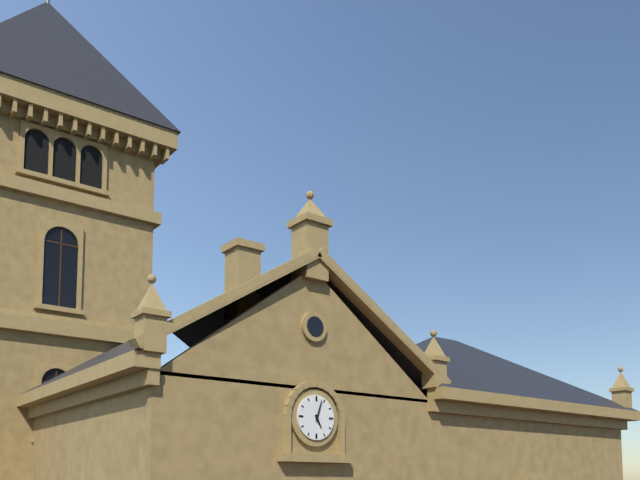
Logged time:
h=5 m=3
